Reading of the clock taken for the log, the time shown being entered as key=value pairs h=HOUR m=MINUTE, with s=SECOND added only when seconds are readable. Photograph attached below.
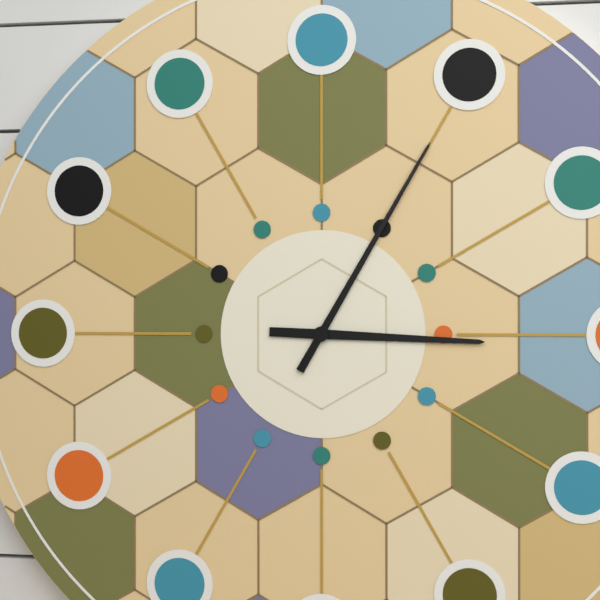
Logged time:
h=3 m=5
